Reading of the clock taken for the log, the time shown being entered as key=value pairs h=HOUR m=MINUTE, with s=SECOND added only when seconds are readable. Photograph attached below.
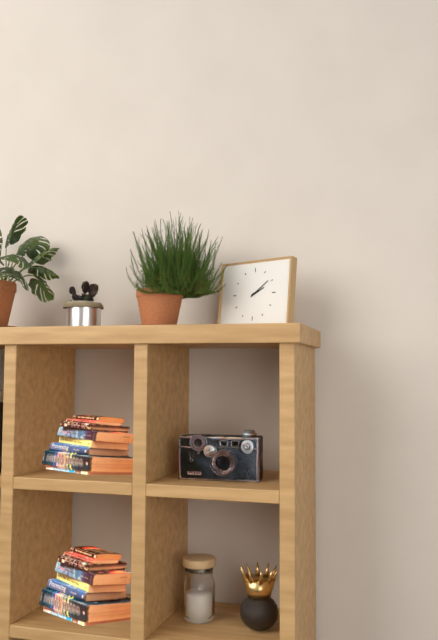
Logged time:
h=2 m=9
